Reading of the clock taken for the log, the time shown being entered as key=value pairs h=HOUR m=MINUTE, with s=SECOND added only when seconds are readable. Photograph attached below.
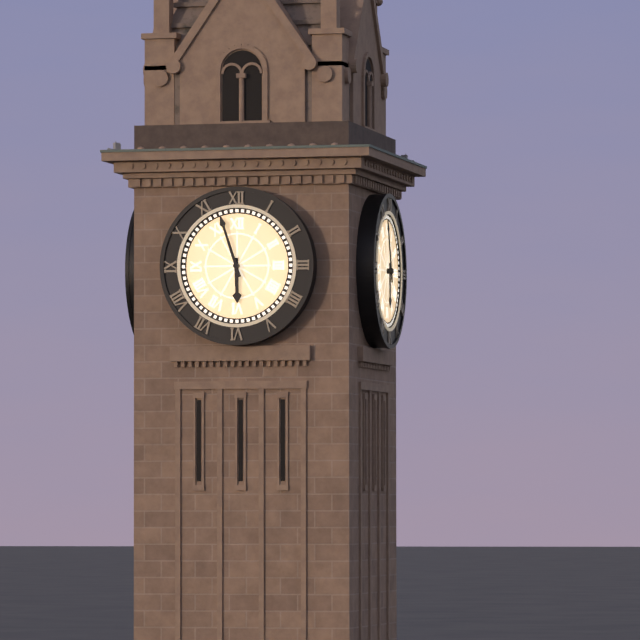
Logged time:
h=5 m=57
